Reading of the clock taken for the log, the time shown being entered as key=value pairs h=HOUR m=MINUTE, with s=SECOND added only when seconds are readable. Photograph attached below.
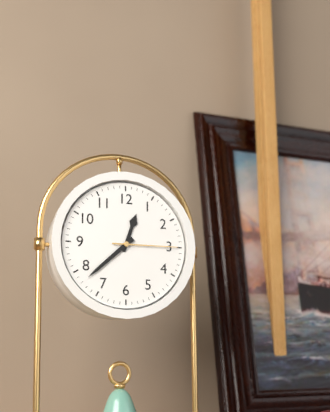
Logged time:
h=12 m=38 s=15
